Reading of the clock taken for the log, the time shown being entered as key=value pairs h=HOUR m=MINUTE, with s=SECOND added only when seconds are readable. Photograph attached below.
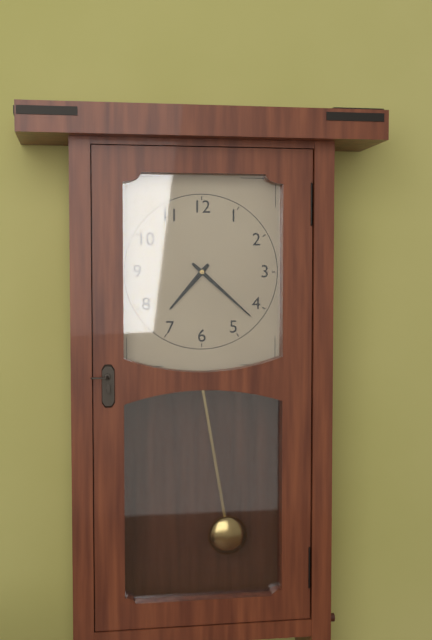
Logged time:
h=7 m=22
